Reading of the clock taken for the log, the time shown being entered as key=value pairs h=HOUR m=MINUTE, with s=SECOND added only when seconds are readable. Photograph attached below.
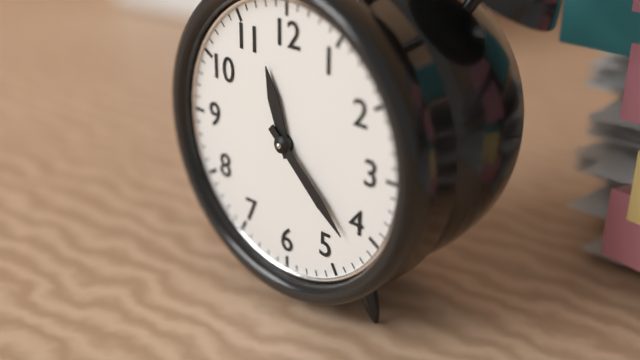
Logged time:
h=11 m=22
